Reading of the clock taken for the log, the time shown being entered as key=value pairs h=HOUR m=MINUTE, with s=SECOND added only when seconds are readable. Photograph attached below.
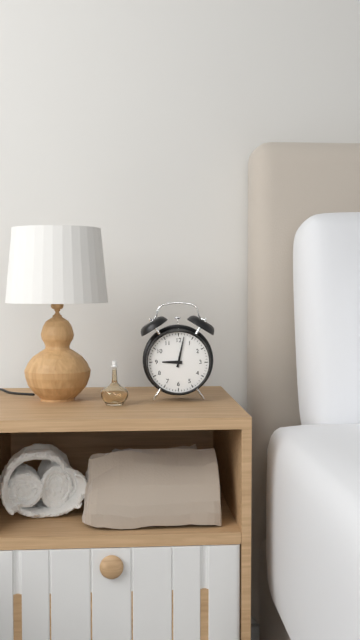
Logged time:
h=9 m=2
